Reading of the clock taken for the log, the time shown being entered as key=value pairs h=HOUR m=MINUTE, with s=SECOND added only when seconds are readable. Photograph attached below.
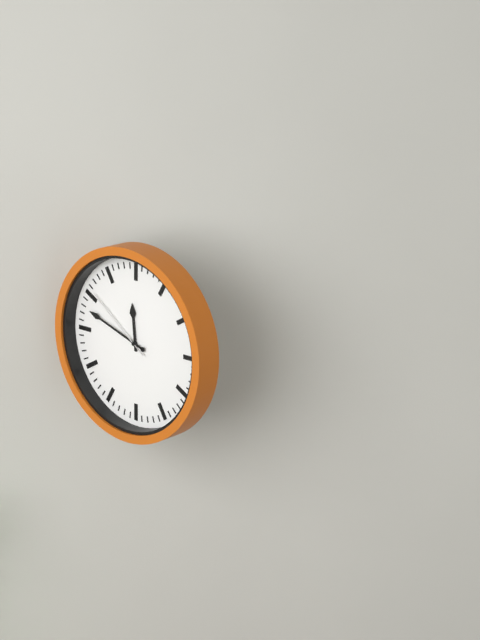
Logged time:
h=11 m=48 s=51
